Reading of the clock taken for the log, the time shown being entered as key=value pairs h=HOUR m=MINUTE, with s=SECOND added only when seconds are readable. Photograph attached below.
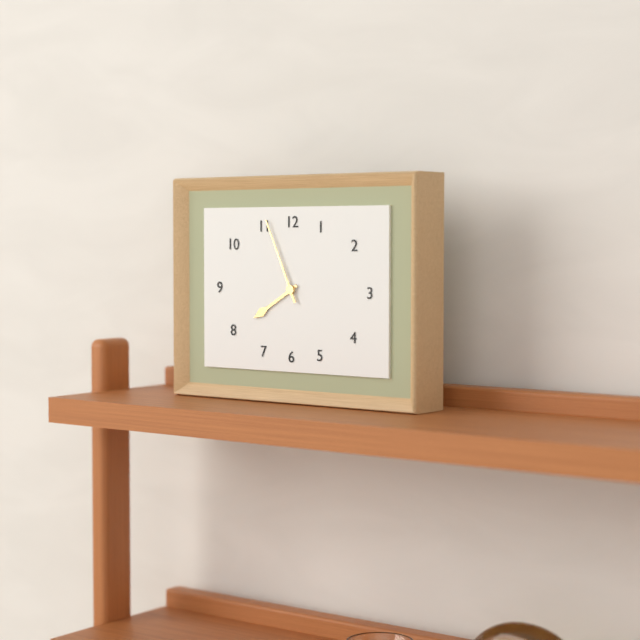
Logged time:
h=7 m=56
